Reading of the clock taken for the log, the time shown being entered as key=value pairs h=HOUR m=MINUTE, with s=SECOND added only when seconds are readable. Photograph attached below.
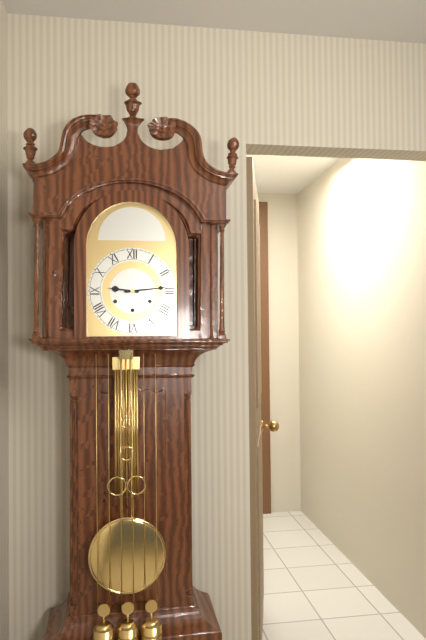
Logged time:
h=9 m=14
